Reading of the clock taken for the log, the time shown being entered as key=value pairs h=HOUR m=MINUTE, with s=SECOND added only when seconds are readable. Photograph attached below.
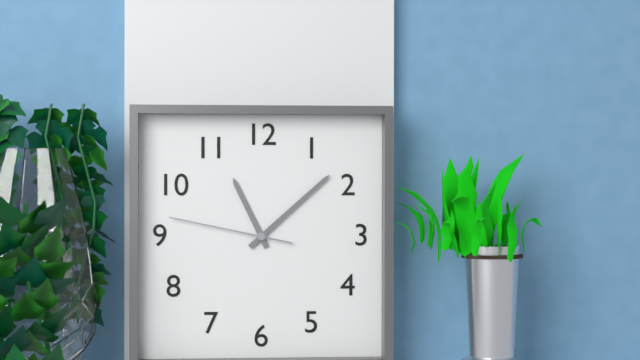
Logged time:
h=11 m=8 s=47
